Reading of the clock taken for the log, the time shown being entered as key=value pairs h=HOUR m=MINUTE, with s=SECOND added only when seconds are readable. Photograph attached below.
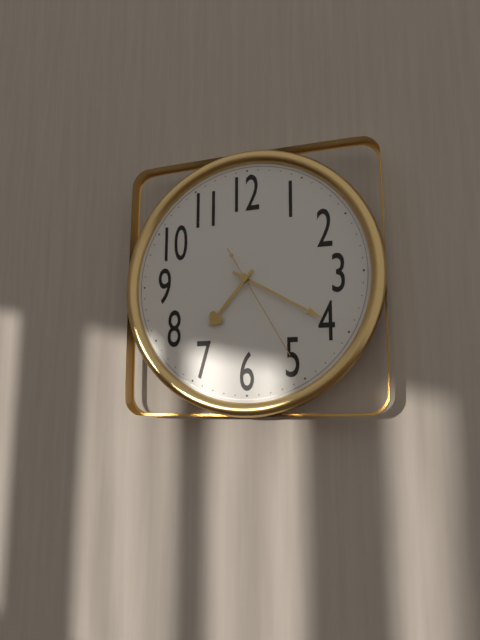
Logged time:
h=7 m=20 s=25
